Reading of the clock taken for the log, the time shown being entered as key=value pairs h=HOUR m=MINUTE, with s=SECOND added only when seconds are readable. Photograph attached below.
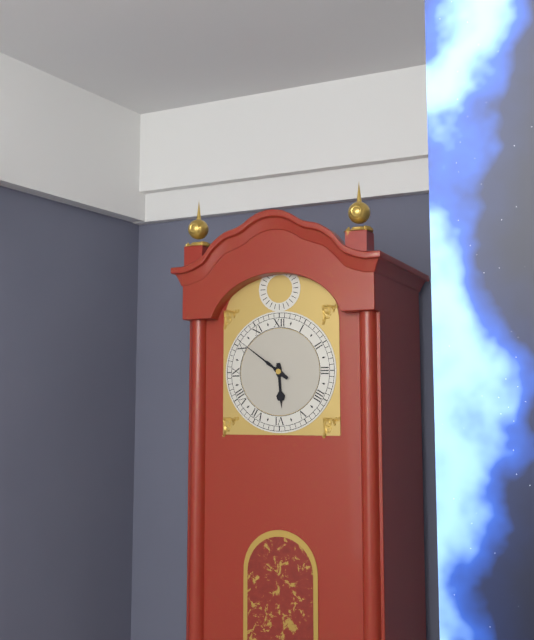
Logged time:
h=5 m=51
